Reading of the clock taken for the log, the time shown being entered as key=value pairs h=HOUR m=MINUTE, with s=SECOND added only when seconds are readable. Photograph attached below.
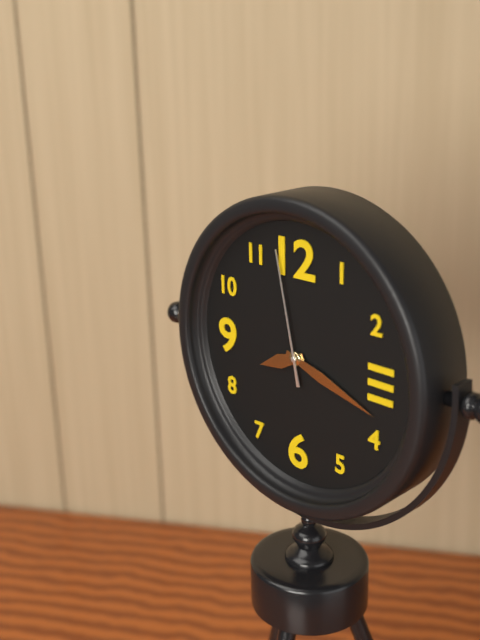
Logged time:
h=8 m=18 s=58
